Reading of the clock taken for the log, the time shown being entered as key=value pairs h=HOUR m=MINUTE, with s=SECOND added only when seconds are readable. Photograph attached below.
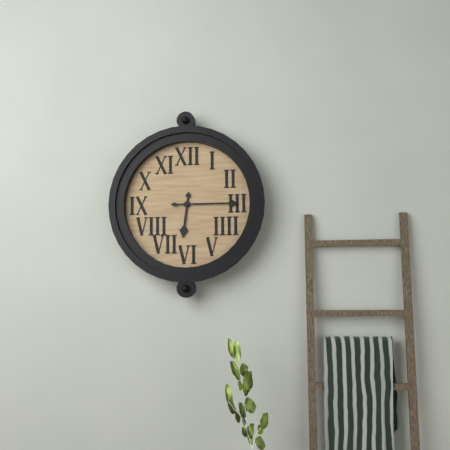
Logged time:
h=6 m=15
